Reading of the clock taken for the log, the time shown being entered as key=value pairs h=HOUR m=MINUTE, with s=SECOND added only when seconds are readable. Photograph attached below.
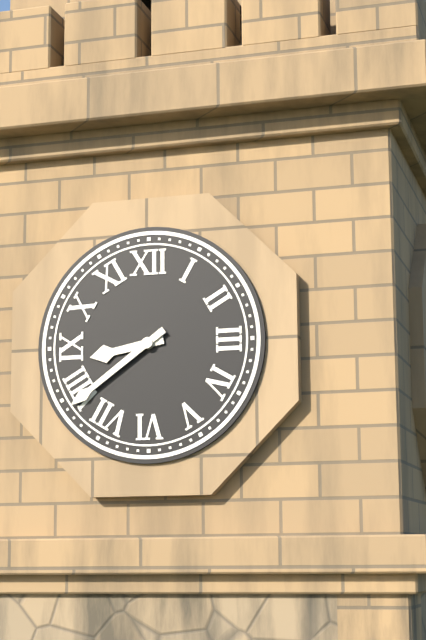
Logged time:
h=8 m=39
